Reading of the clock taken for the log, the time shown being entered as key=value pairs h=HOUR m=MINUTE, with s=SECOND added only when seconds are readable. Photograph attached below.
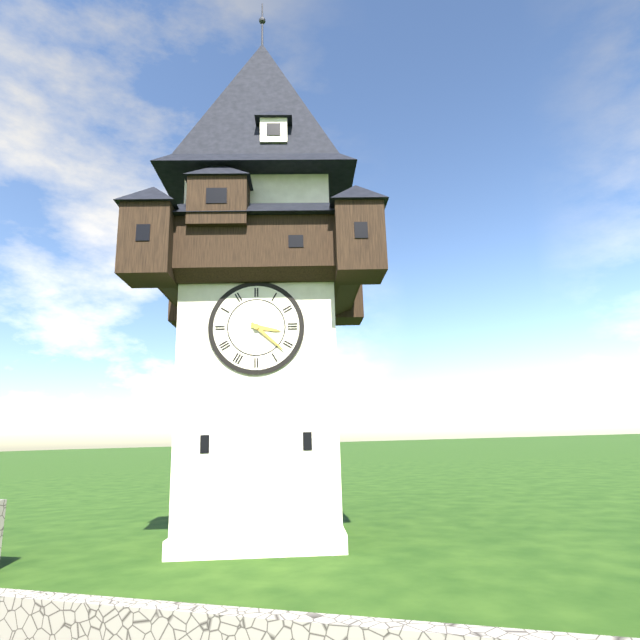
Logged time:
h=3 m=22
